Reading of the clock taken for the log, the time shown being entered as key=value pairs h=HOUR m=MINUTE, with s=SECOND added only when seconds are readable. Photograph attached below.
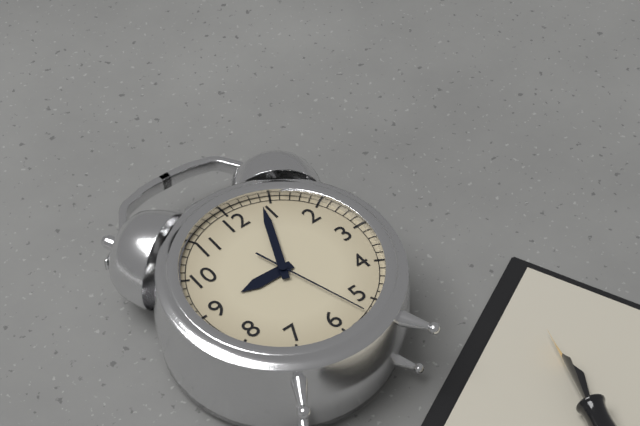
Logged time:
h=9 m=4 s=27
